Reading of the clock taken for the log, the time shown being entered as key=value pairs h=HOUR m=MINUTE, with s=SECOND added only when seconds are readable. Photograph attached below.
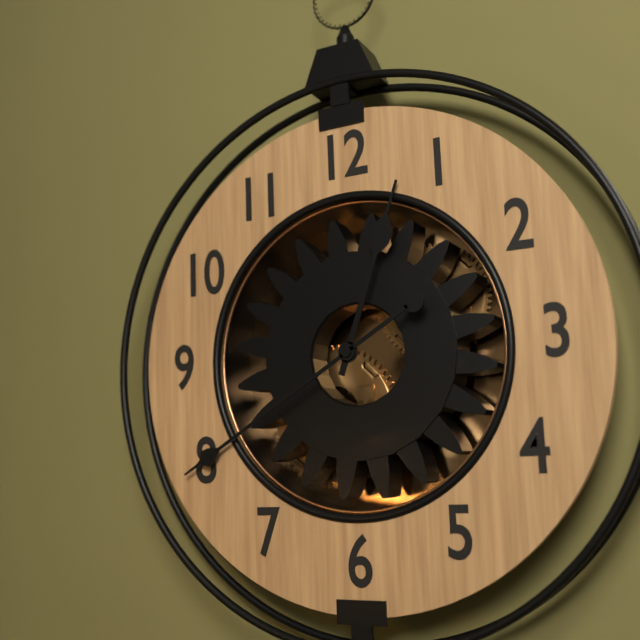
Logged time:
h=12 m=40
